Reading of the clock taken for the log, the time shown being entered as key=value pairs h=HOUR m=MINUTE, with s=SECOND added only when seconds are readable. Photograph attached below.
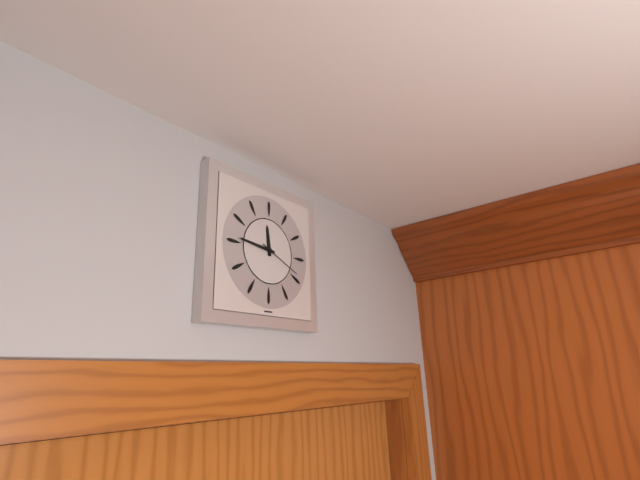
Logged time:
h=11 m=46
